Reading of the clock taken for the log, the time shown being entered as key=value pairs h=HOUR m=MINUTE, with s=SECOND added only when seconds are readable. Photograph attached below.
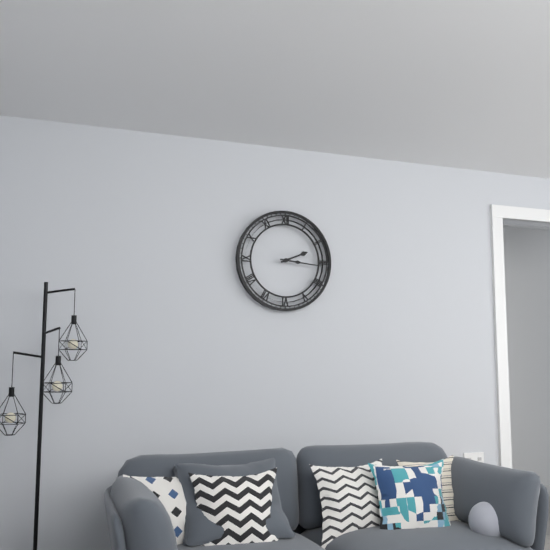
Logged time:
h=2 m=16
